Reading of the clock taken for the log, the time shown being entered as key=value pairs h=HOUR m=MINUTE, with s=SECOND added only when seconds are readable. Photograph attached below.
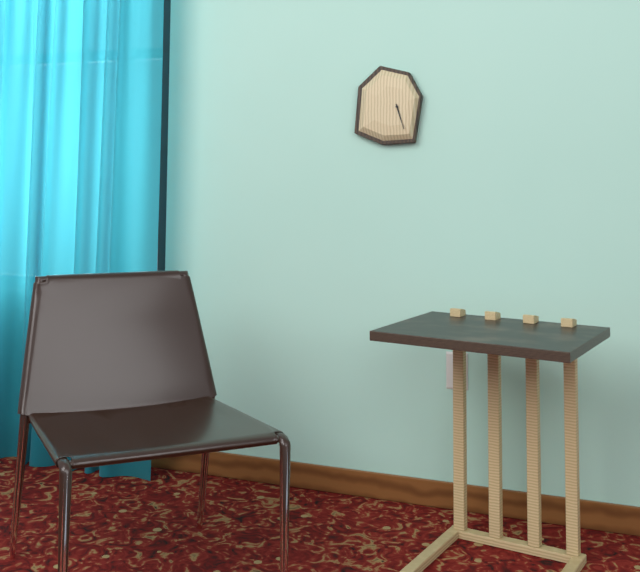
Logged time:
h=5 m=27
